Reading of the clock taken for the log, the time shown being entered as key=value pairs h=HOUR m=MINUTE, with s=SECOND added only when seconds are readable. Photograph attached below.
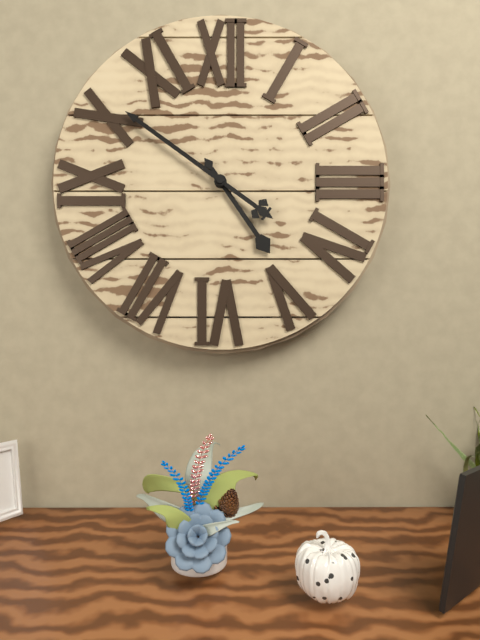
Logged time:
h=4 m=51
